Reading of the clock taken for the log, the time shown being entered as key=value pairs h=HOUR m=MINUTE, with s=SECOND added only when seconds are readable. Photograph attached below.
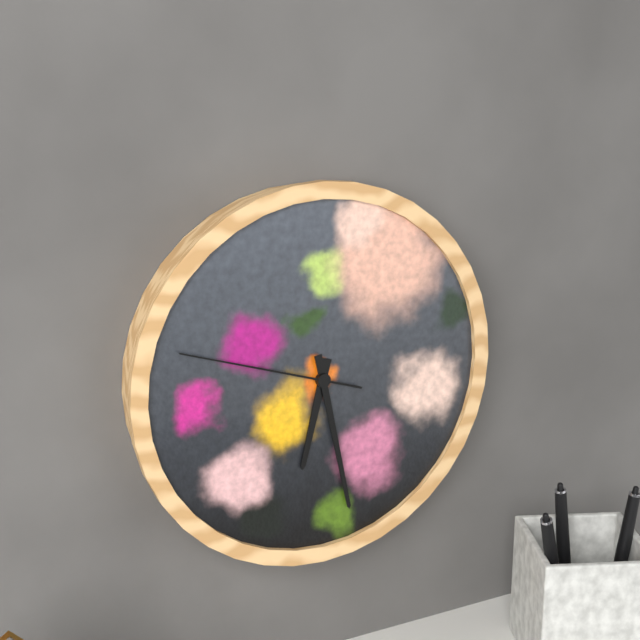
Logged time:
h=6 m=28 s=48
